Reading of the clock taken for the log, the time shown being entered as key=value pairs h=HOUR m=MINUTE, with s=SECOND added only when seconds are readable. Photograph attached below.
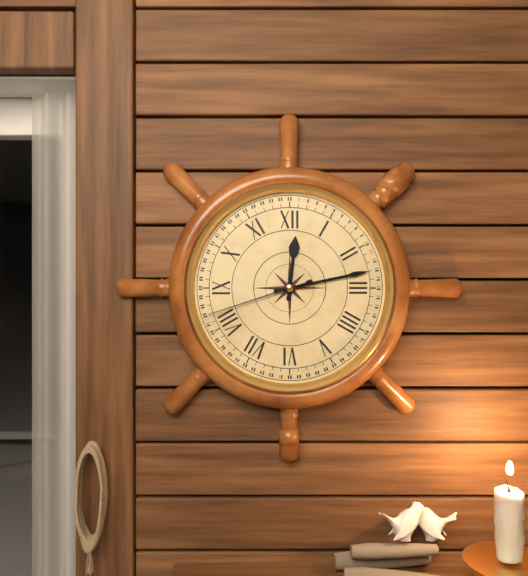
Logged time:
h=12 m=13 s=42
